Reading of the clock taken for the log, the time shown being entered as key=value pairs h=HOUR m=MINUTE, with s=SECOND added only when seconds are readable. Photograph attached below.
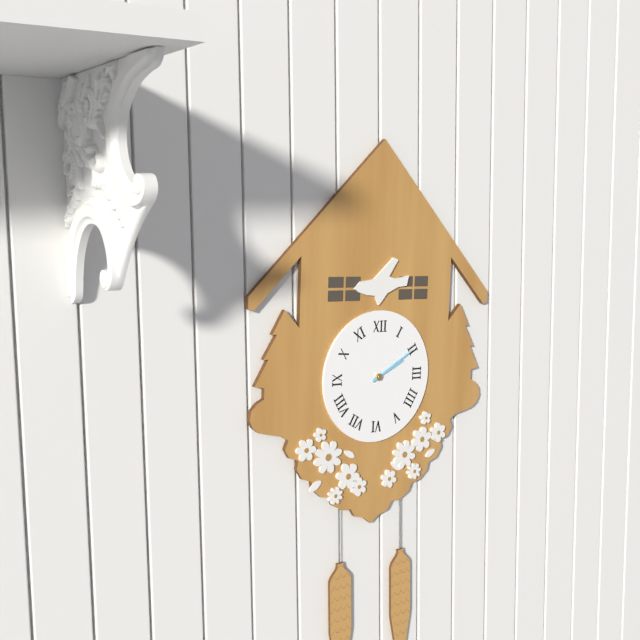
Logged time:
h=2 m=10
